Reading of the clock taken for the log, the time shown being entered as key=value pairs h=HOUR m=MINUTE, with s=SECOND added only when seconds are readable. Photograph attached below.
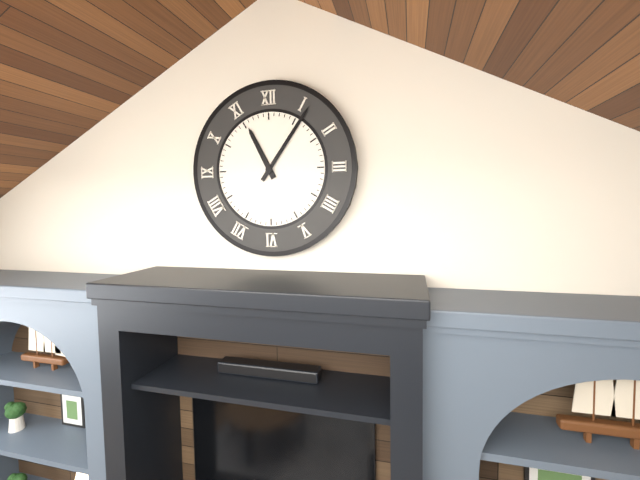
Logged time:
h=11 m=6
